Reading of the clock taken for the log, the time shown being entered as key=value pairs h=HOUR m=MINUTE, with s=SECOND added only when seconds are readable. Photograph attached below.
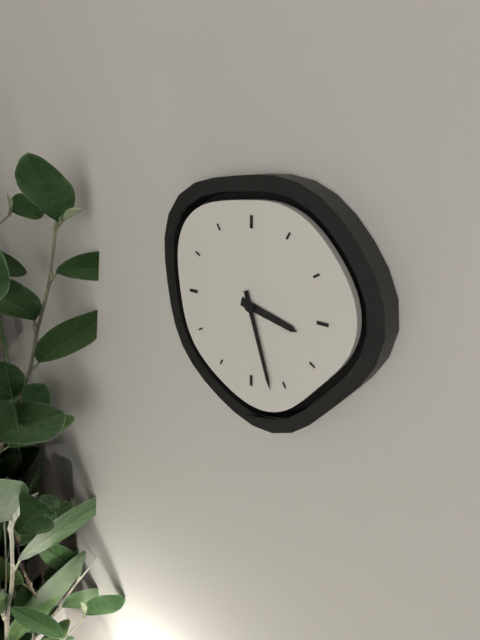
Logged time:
h=3 m=27
